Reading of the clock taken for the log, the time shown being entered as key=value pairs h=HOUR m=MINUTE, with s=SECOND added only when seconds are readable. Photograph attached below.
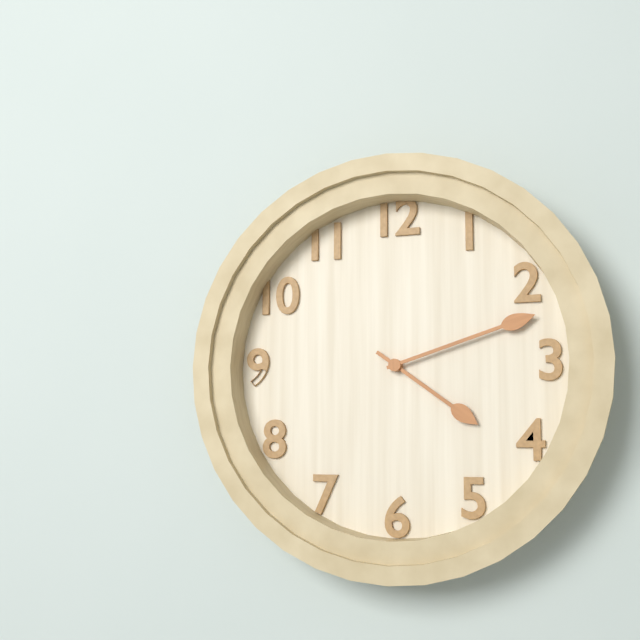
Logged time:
h=4 m=12
